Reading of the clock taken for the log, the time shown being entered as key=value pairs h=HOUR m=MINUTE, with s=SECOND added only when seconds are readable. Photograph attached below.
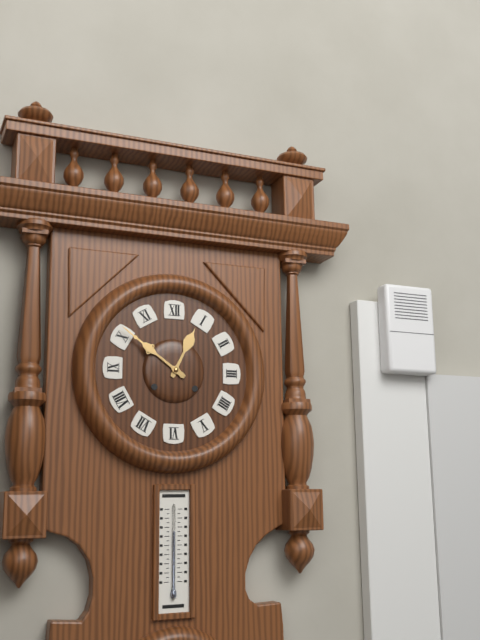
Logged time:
h=12 m=51
